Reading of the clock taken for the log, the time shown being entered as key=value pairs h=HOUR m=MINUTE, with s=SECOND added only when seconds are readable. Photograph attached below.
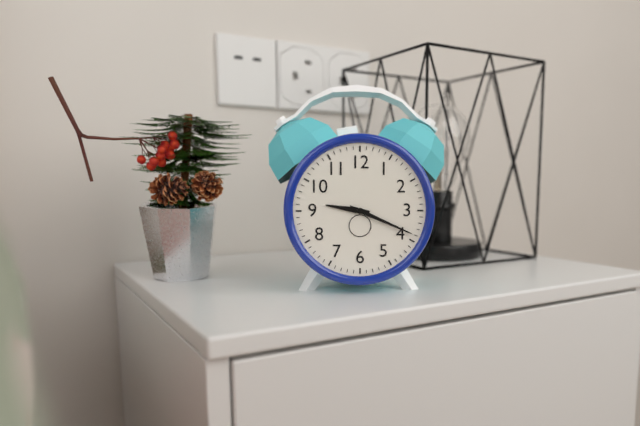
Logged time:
h=9 m=19
